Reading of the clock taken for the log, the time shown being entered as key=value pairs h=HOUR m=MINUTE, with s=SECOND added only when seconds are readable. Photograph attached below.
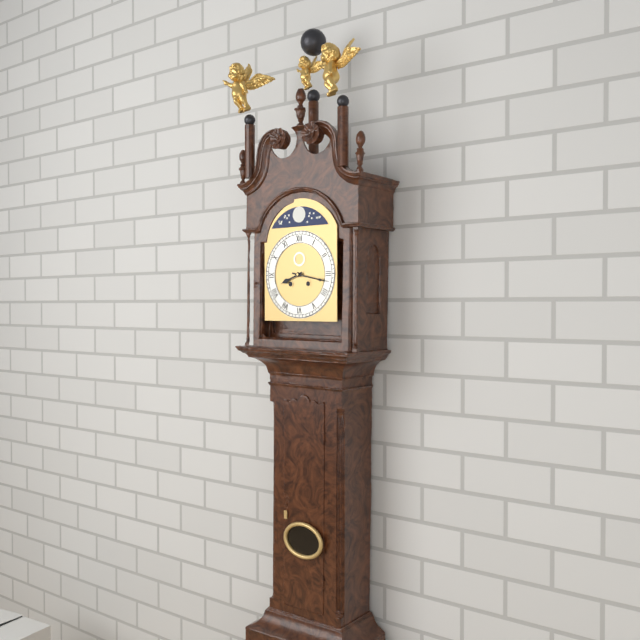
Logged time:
h=8 m=17
